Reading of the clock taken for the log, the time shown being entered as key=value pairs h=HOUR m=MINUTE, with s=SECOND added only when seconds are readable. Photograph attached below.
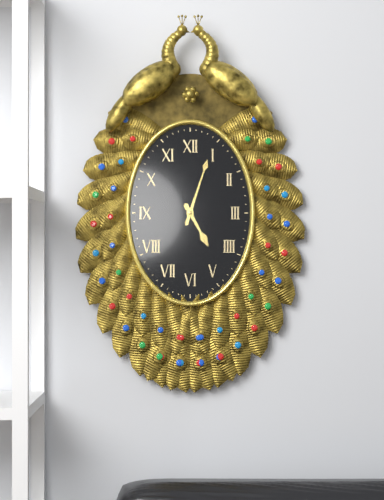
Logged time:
h=5 m=3
